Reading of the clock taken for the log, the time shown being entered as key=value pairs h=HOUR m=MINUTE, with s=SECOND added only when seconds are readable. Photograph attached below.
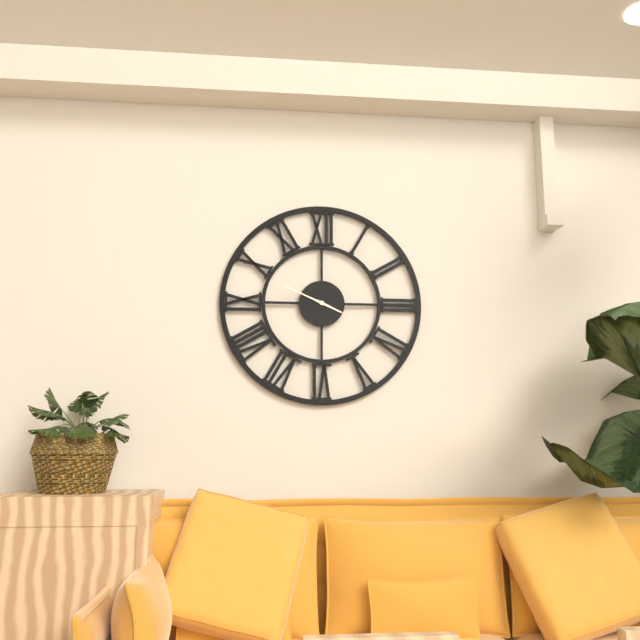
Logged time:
h=3 m=49
